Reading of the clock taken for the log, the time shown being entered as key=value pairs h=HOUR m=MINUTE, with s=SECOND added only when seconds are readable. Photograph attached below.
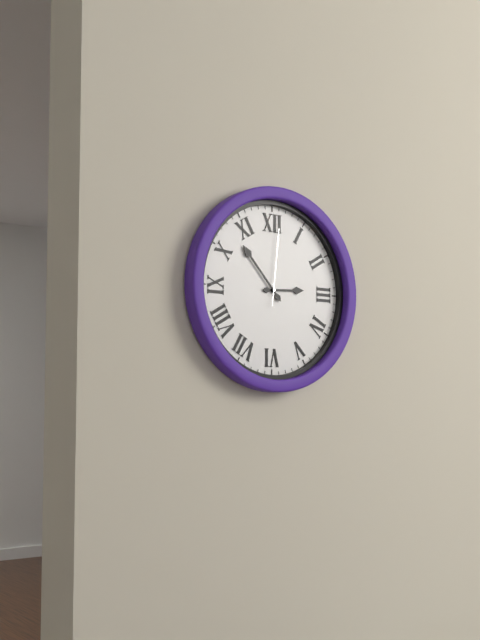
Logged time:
h=2 m=53 s=1
